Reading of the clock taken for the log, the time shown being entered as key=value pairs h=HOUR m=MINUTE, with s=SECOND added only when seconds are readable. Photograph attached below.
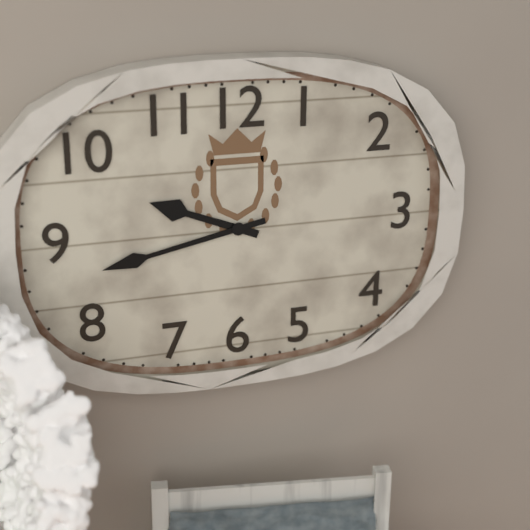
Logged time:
h=9 m=43
